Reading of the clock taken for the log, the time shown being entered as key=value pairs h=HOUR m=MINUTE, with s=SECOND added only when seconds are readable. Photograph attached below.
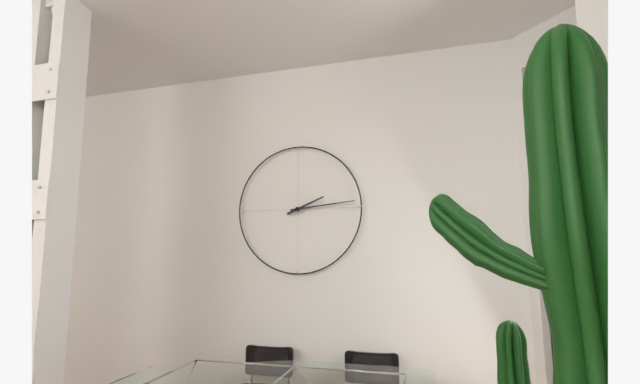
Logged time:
h=2 m=14
